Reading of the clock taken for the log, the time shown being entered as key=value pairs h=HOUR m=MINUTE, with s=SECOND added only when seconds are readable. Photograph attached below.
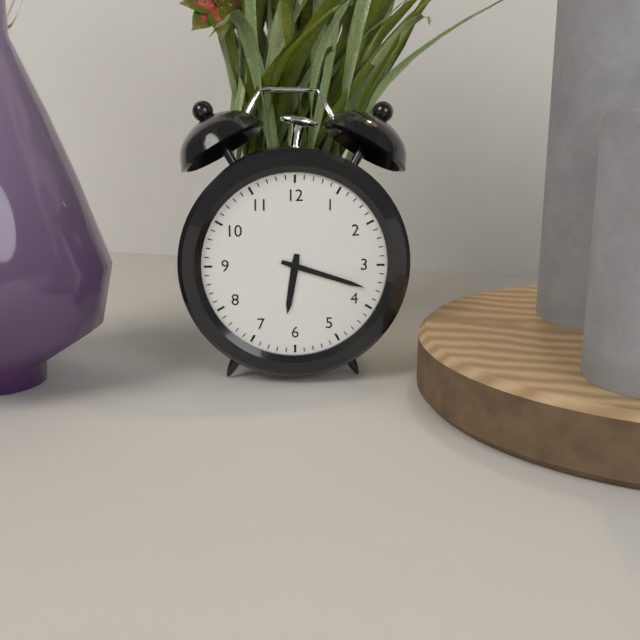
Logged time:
h=6 m=18
